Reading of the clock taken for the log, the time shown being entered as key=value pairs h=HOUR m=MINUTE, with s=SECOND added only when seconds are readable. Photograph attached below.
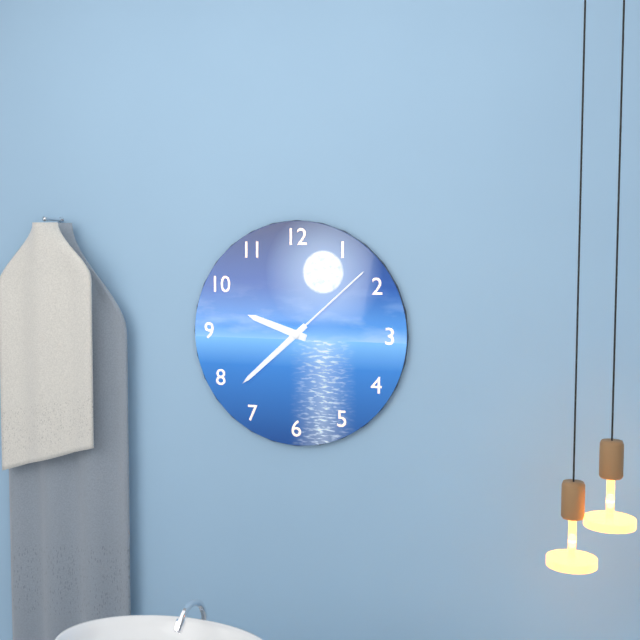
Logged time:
h=9 m=38 s=8
